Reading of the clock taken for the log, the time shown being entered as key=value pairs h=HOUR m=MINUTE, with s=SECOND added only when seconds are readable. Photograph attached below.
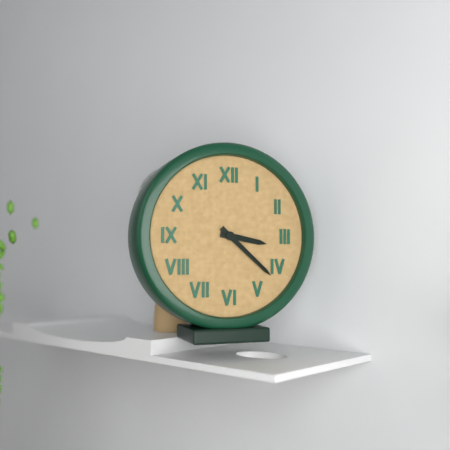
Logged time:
h=3 m=22
